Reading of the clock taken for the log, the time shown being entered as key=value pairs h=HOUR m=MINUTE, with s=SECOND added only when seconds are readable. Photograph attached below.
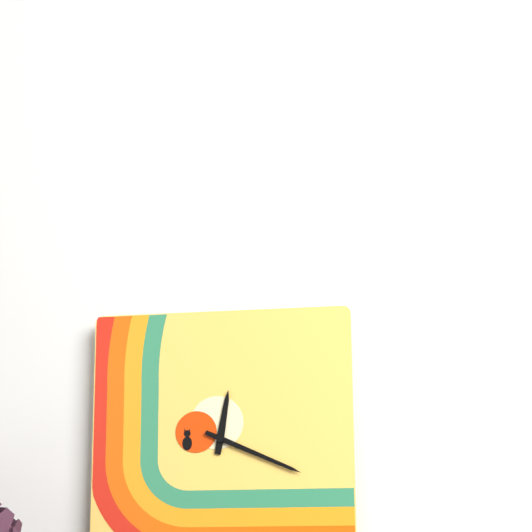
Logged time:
h=12 m=19
